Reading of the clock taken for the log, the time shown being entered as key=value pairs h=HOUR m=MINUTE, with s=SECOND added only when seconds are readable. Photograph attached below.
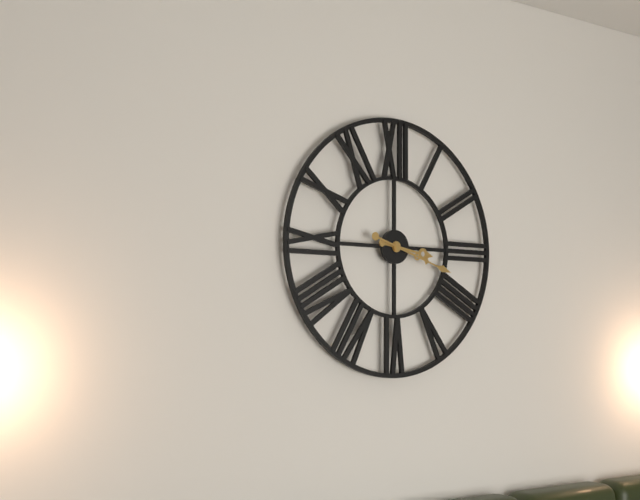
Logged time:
h=3 m=18
